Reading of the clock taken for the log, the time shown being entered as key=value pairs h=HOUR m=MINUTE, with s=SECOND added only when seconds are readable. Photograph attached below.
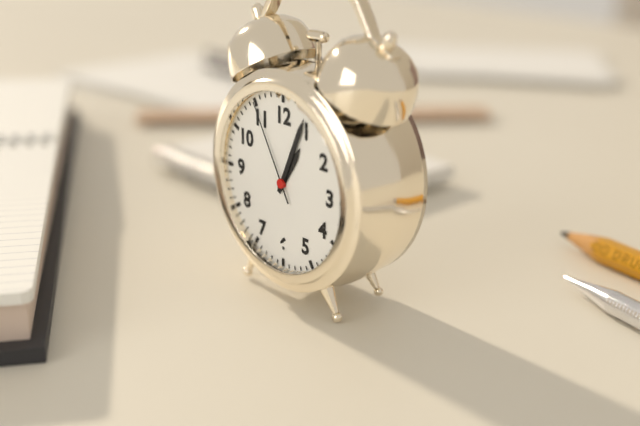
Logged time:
h=1 m=4 s=55
